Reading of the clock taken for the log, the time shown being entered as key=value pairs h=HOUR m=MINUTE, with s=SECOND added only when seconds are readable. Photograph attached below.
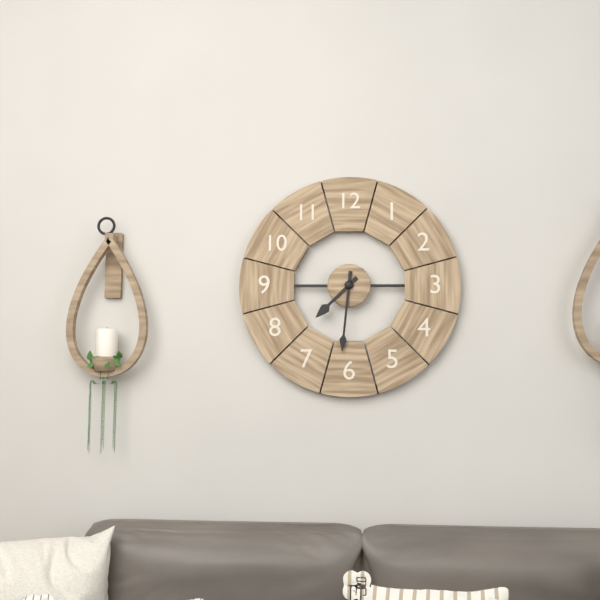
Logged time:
h=7 m=31
